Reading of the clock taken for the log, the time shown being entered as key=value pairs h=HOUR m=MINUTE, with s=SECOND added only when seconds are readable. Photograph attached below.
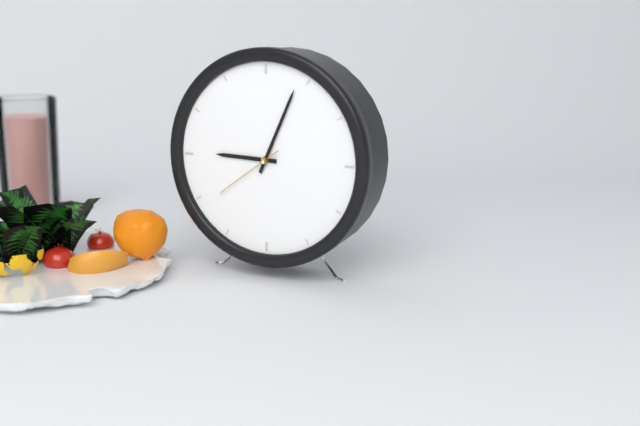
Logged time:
h=9 m=4 s=39
